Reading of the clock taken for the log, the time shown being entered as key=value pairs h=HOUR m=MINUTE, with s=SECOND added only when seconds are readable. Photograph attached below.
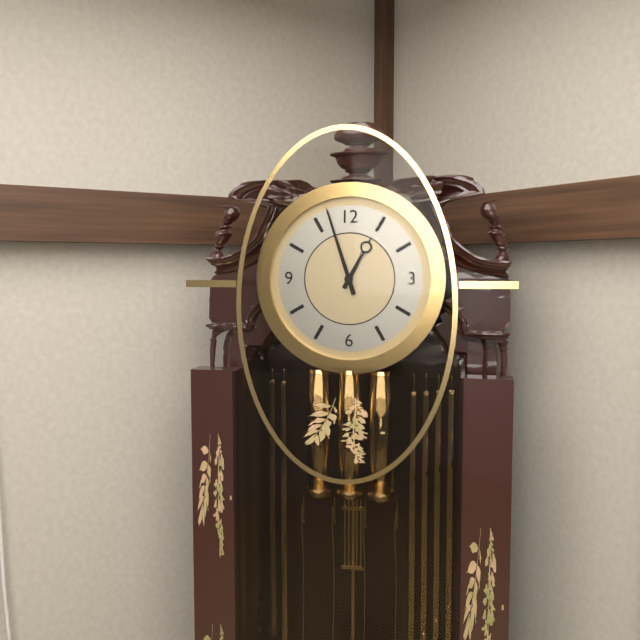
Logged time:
h=12 m=57
